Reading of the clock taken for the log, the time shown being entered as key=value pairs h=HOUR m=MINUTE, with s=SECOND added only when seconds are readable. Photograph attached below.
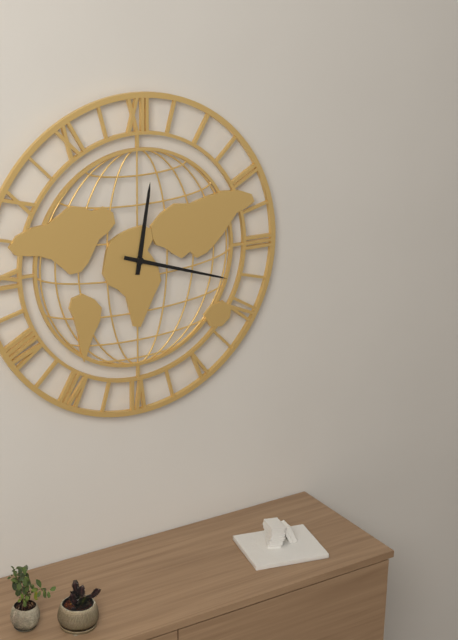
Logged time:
h=12 m=18
